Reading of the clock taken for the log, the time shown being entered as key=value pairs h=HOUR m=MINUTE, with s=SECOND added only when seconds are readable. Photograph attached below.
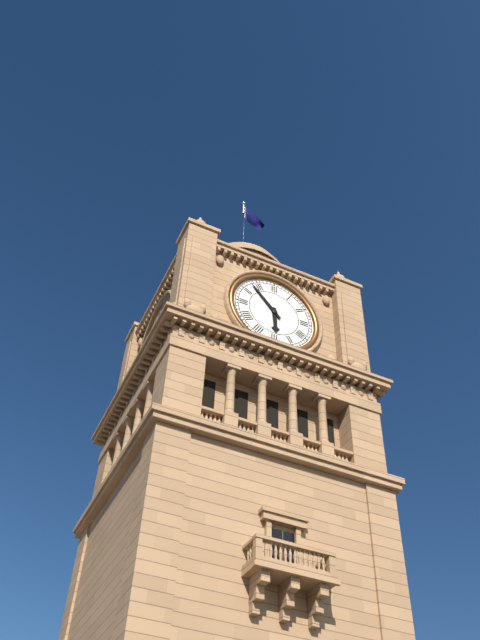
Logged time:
h=5 m=53
